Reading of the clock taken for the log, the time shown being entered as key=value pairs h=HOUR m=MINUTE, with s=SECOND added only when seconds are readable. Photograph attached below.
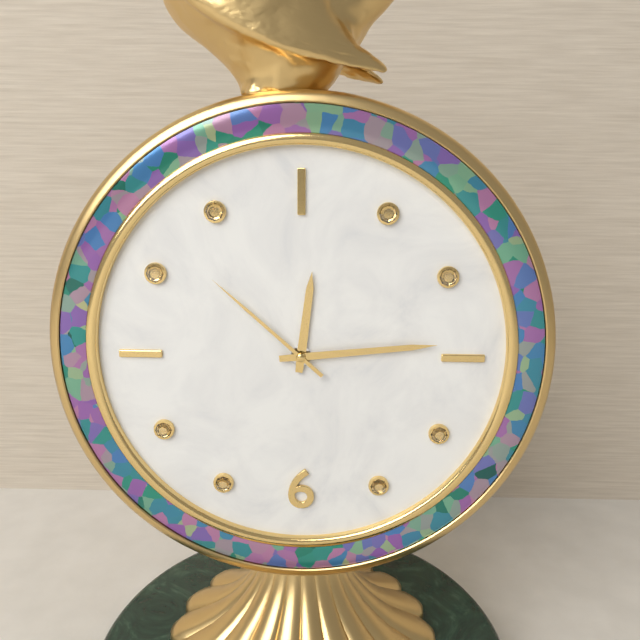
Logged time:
h=12 m=14 s=52
